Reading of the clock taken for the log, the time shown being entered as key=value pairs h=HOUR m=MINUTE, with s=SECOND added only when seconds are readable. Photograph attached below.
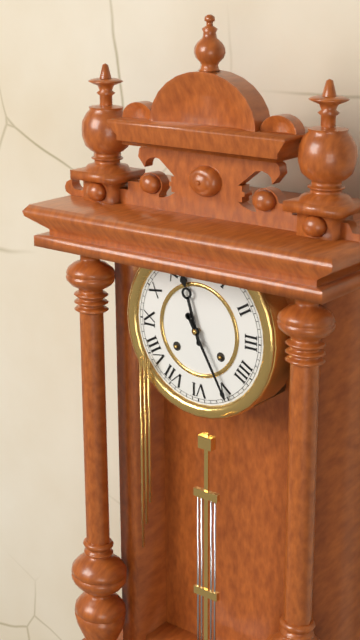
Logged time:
h=11 m=25
